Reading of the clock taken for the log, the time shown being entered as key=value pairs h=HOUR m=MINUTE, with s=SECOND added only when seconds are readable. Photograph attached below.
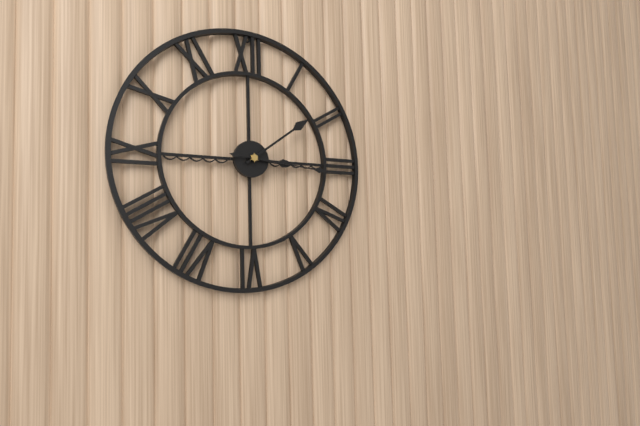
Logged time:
h=3 m=9 s=16
